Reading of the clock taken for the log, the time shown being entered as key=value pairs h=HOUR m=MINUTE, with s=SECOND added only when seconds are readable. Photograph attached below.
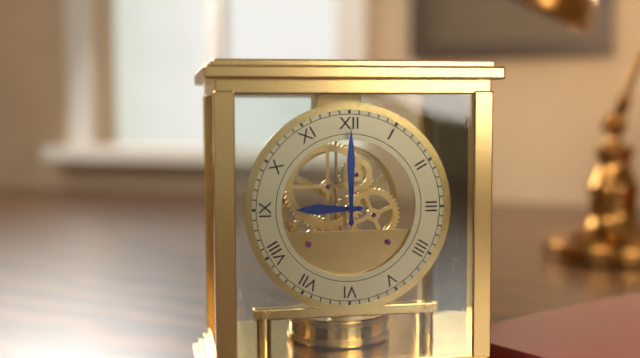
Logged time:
h=9 m=0
